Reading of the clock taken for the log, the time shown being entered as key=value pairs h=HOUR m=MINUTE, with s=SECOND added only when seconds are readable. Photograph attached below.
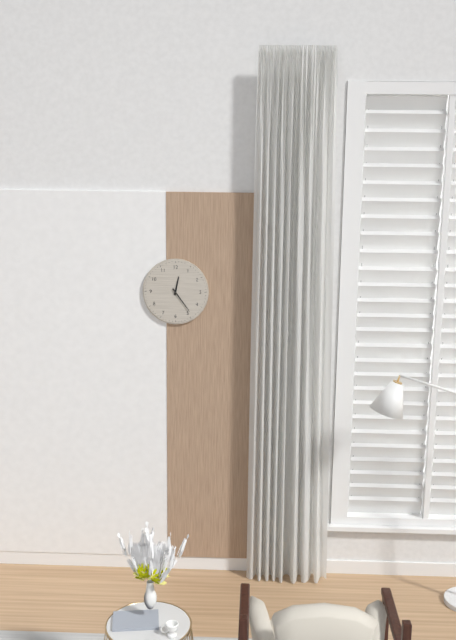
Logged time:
h=12 m=24
